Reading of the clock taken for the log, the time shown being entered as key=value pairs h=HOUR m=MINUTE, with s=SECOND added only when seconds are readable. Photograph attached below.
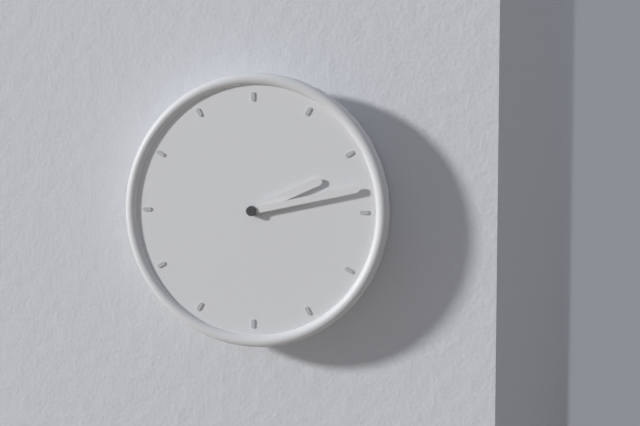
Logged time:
h=2 m=13
